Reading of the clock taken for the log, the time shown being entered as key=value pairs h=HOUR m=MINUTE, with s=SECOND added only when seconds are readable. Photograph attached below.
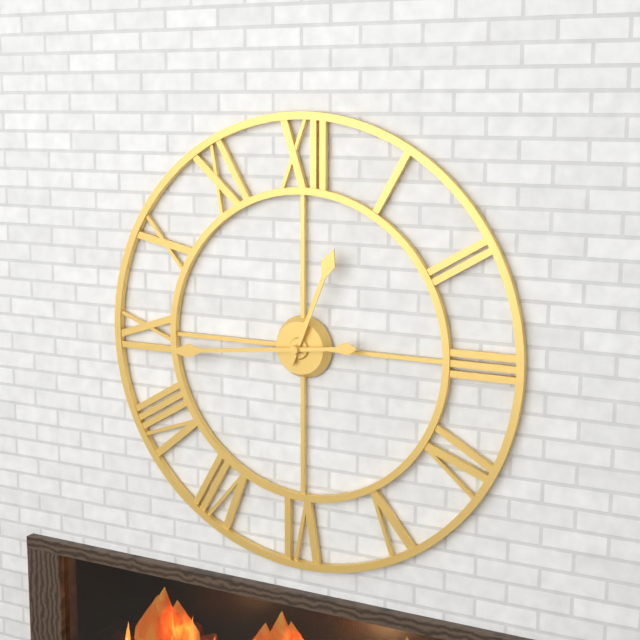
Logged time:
h=12 m=44
